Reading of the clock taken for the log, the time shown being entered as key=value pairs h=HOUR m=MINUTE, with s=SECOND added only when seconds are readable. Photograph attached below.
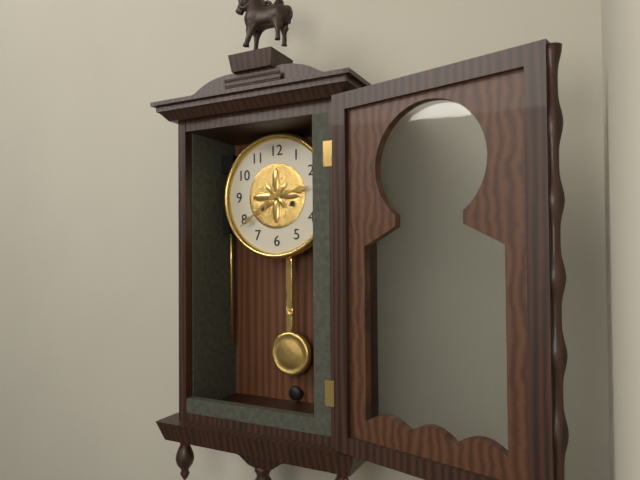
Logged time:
h=2 m=39
